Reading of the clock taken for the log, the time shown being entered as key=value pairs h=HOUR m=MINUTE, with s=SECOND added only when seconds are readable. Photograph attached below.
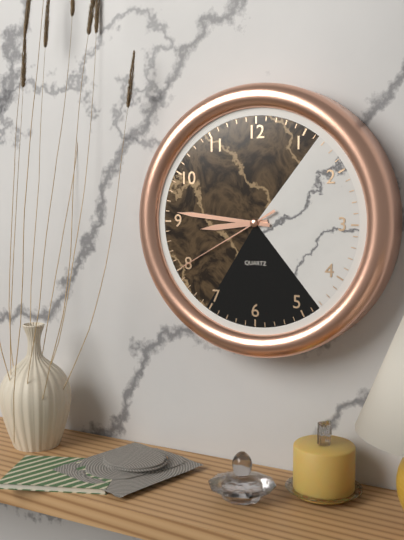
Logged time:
h=8 m=46 s=40
